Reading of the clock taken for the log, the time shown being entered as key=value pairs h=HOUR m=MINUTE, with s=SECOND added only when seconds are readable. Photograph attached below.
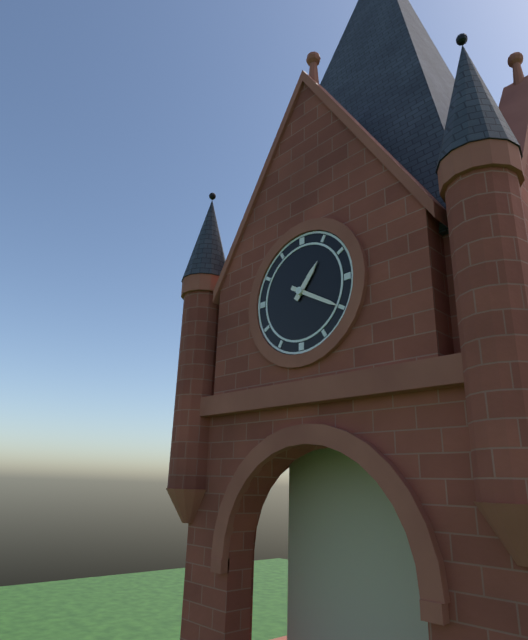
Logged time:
h=1 m=20
